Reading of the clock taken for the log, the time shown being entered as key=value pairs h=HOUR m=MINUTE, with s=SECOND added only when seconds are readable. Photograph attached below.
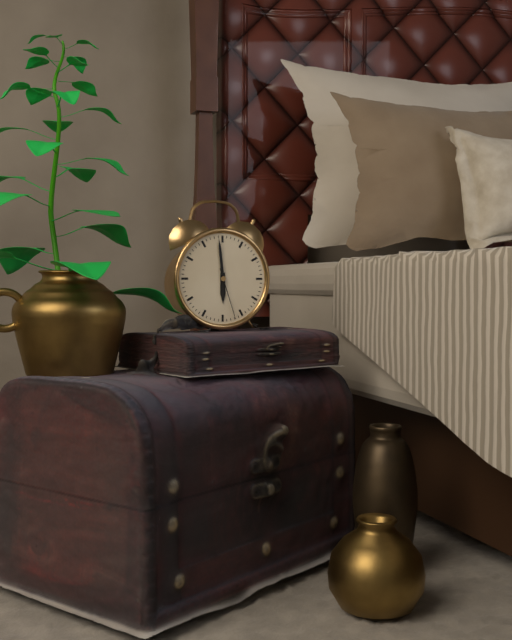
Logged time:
h=5 m=59 s=27
